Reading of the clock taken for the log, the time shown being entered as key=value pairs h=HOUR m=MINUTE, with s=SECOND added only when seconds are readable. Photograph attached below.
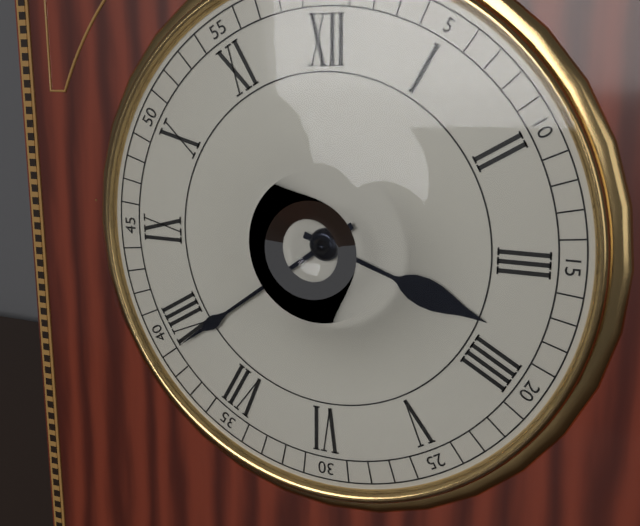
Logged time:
h=3 m=39
